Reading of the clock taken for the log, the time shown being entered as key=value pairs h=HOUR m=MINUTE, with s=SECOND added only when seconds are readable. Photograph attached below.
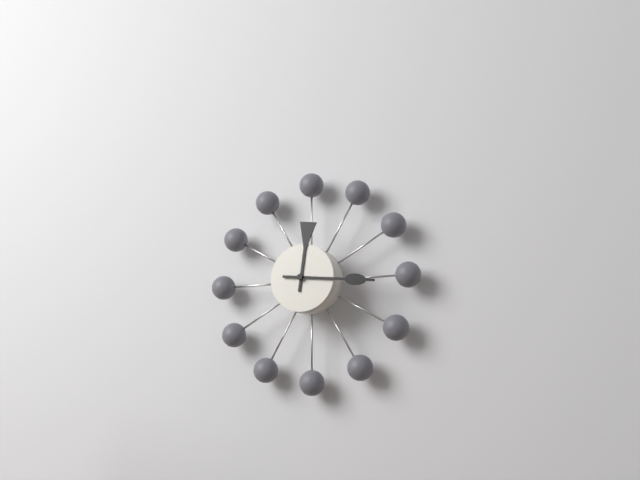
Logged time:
h=12 m=16
